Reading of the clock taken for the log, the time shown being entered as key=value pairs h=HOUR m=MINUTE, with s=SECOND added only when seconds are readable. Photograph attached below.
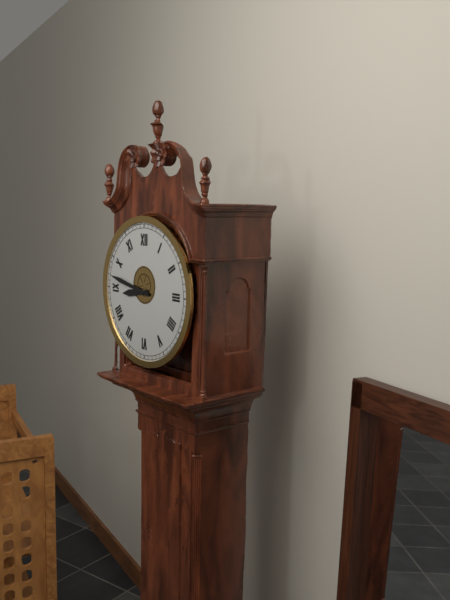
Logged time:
h=8 m=47
